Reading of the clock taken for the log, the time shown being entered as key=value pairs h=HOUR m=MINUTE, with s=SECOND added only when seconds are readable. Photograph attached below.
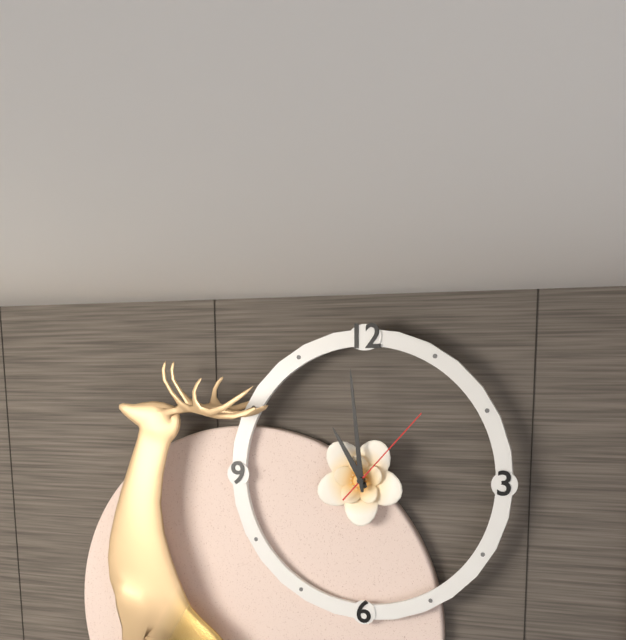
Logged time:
h=10 m=59 s=7
